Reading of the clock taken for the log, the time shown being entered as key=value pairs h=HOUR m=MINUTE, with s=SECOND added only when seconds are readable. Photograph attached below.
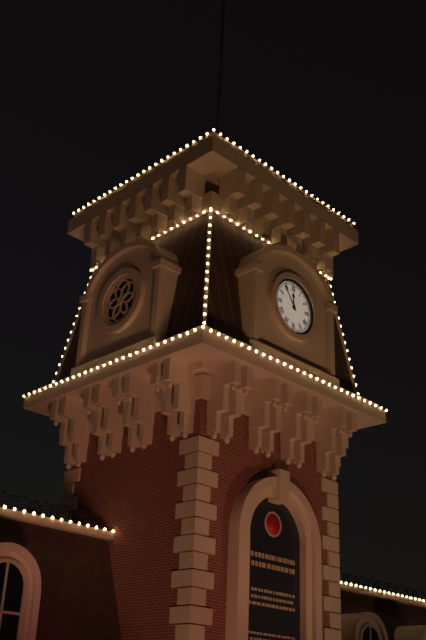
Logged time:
h=11 m=54
